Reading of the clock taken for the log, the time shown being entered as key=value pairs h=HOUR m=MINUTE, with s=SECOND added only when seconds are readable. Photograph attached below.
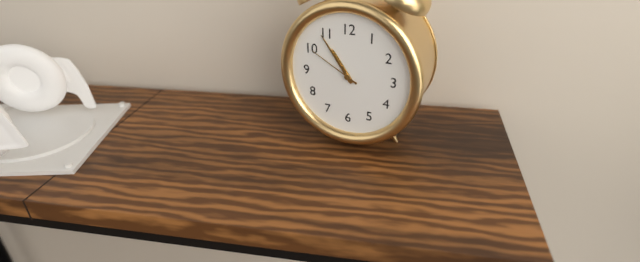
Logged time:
h=10 m=54 s=50
